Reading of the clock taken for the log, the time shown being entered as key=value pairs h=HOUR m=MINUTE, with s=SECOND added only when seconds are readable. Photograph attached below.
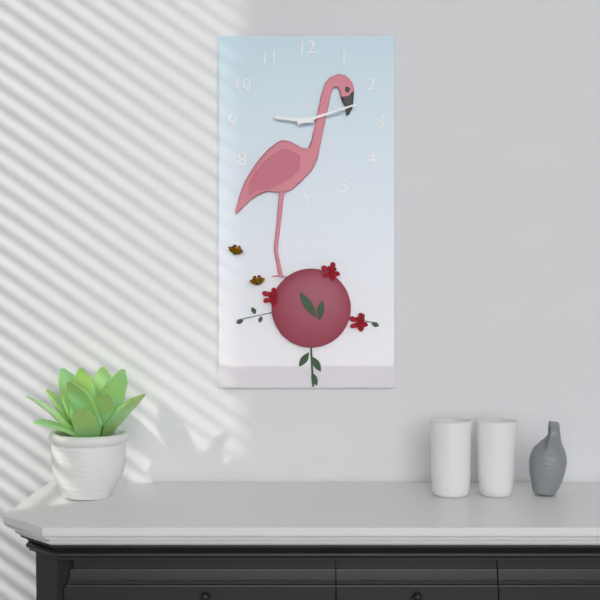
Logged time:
h=9 m=12
